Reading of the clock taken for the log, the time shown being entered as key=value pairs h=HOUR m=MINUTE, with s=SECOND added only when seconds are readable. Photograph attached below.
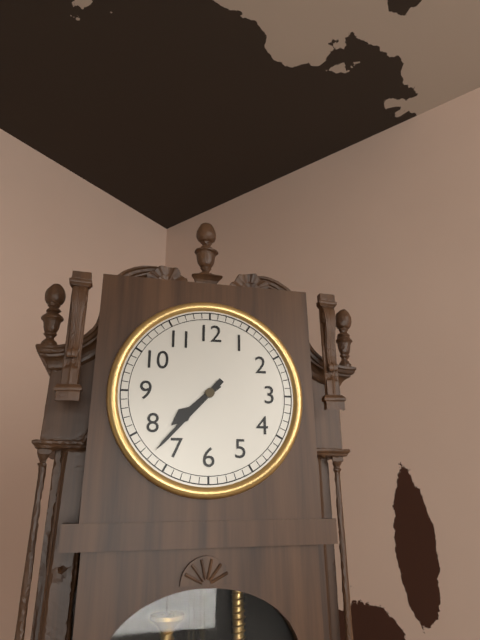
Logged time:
h=7 m=37
